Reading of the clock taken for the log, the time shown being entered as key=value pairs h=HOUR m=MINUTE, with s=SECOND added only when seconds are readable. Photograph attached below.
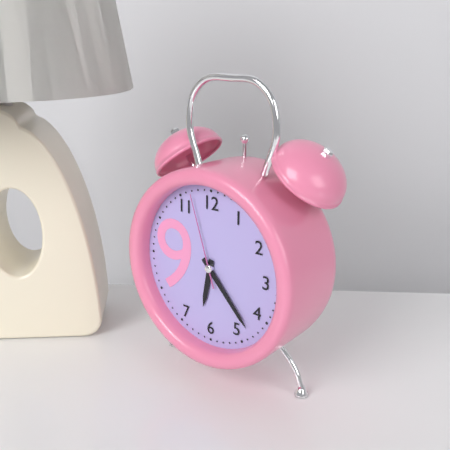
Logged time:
h=6 m=23 s=57
